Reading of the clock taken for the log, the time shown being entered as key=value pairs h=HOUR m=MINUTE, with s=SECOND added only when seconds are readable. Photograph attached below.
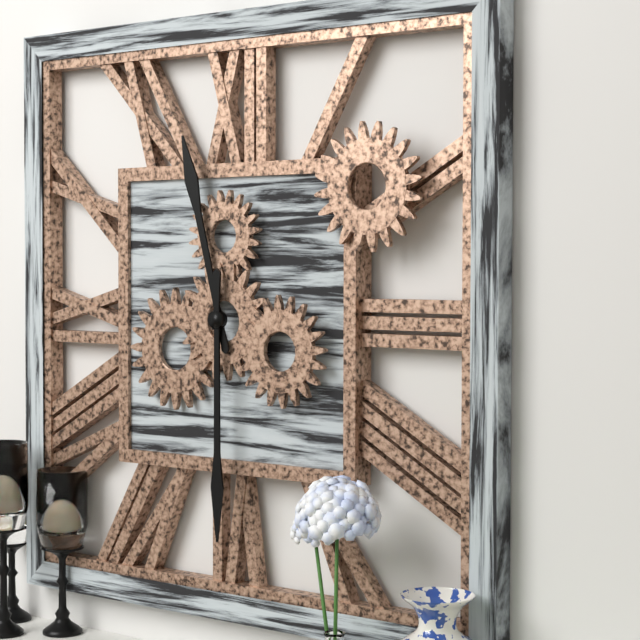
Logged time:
h=11 m=30
